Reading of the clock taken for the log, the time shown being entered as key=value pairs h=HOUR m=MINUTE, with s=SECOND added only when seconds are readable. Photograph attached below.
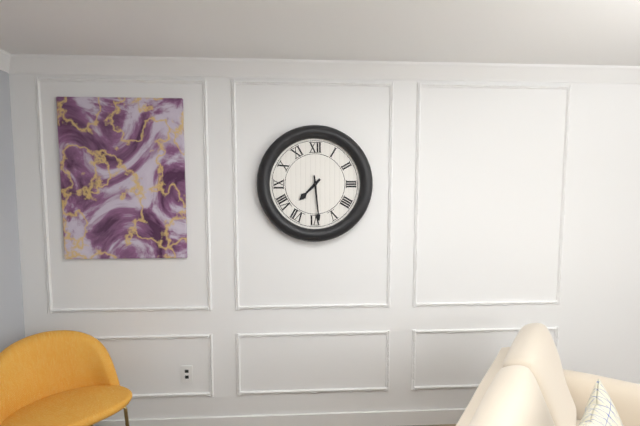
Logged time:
h=7 m=29
